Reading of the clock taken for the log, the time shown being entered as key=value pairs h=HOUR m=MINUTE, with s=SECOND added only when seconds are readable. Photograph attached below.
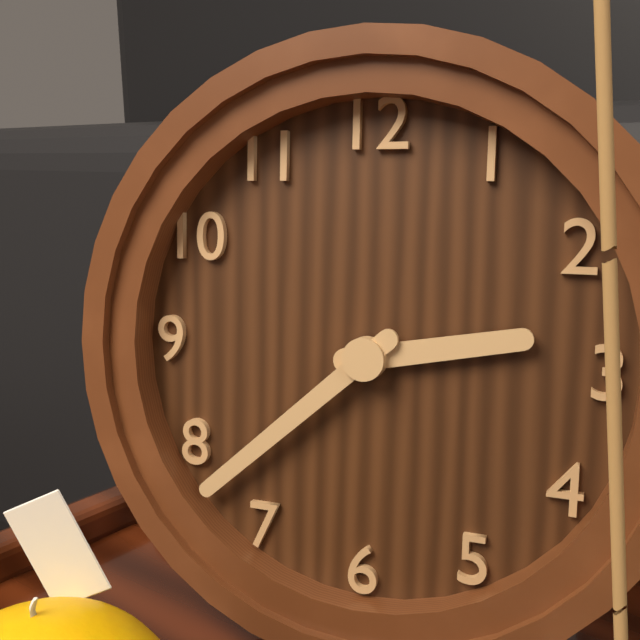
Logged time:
h=2 m=38
